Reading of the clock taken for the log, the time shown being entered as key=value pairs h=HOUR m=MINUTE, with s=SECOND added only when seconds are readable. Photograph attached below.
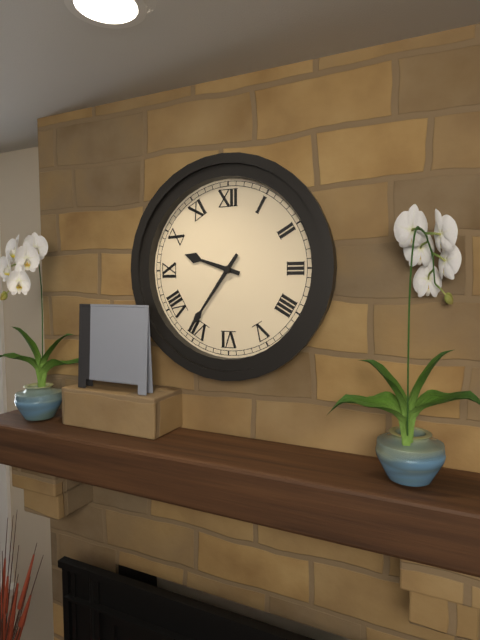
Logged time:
h=9 m=36
